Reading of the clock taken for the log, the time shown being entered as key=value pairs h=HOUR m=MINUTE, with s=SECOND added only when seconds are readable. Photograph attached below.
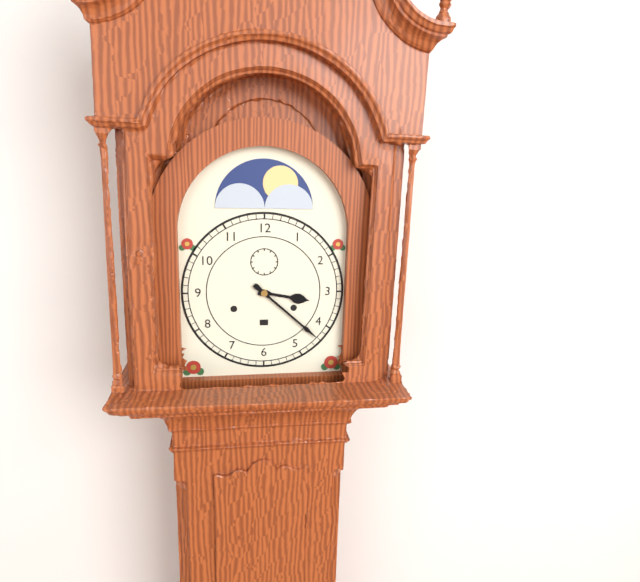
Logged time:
h=3 m=22
